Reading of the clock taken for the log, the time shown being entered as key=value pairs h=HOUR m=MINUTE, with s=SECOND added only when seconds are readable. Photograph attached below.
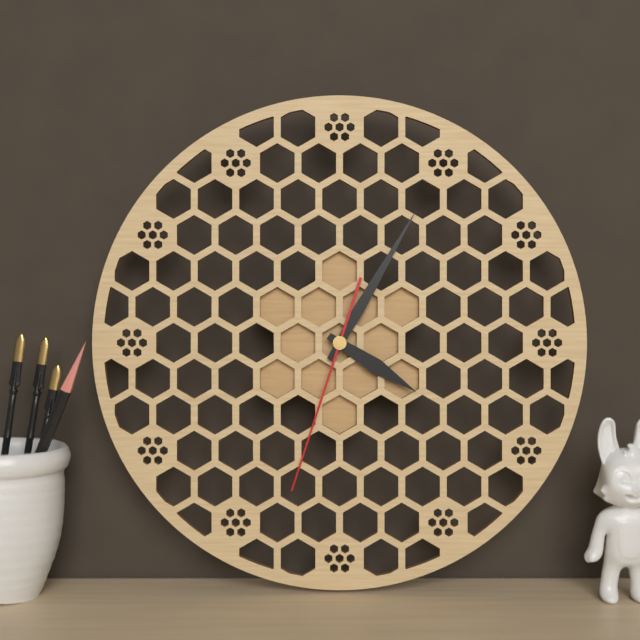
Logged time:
h=4 m=5 s=33
